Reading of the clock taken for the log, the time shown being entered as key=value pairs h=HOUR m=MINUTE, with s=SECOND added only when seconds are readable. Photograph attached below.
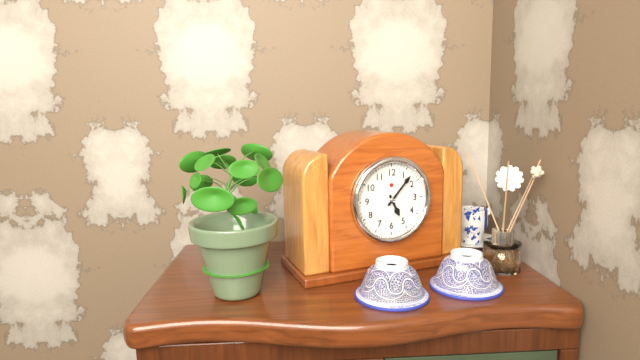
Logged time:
h=5 m=7
